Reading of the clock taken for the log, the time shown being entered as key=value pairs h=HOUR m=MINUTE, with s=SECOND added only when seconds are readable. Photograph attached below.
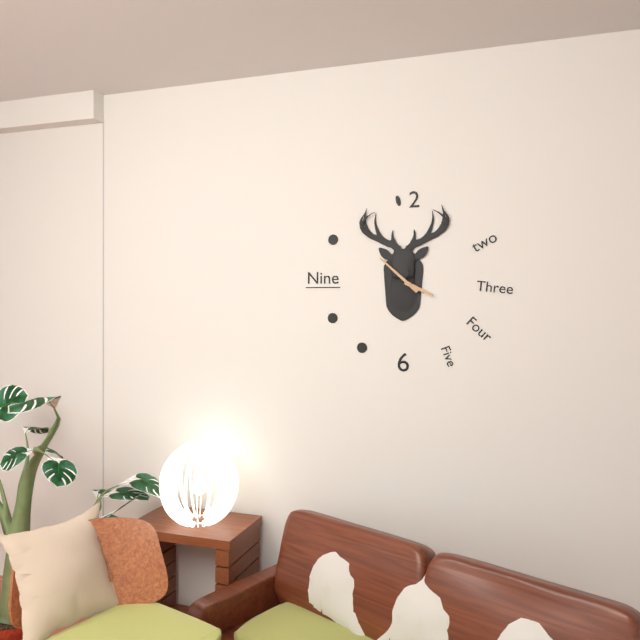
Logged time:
h=3 m=52
